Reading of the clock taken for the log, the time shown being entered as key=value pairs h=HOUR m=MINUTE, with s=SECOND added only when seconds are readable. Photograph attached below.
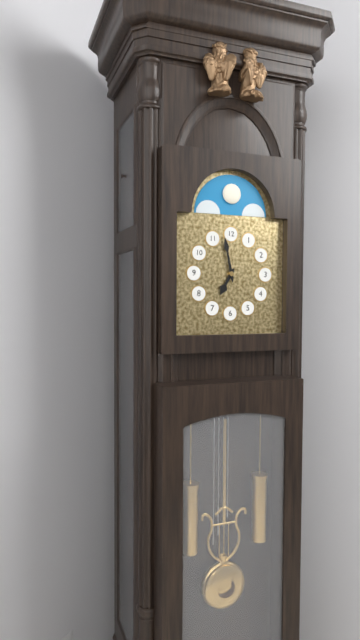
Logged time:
h=6 m=58
